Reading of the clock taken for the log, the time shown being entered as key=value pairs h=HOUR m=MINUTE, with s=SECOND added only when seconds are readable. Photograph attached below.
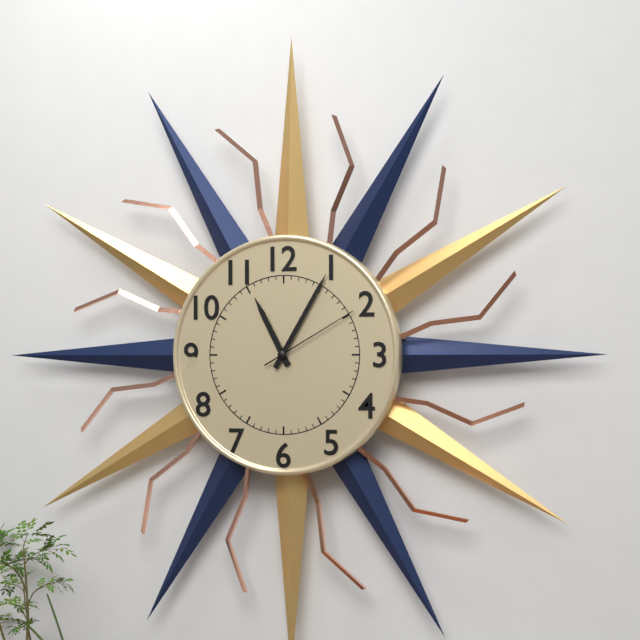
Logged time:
h=11 m=5 s=10
